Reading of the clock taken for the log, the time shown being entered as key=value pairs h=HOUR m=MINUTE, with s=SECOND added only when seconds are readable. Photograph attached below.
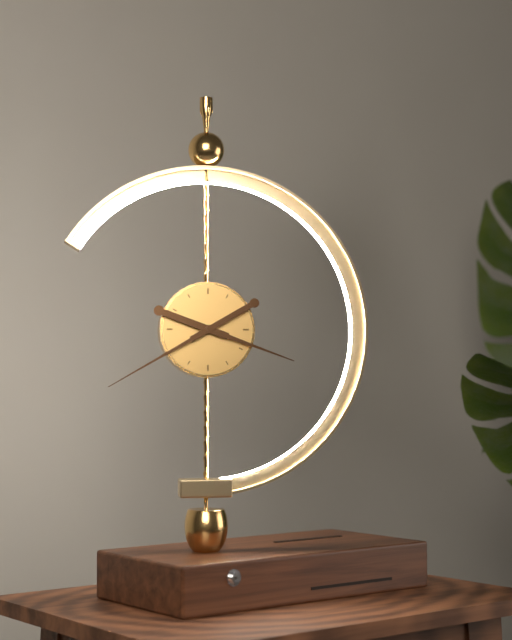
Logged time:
h=3 m=40
